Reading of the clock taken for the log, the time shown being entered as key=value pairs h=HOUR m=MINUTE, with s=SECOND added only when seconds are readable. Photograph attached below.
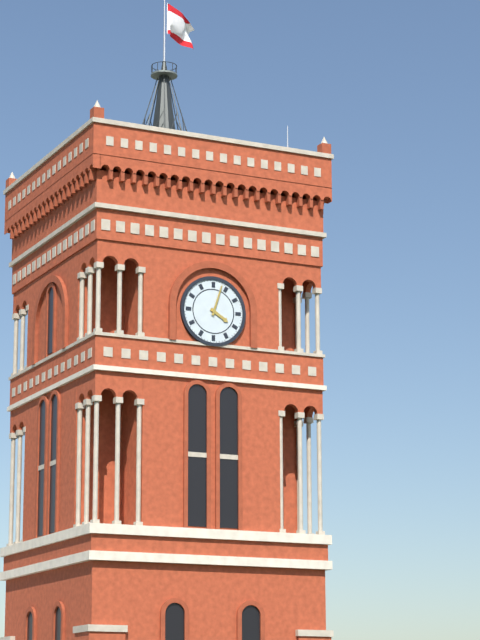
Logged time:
h=4 m=3
